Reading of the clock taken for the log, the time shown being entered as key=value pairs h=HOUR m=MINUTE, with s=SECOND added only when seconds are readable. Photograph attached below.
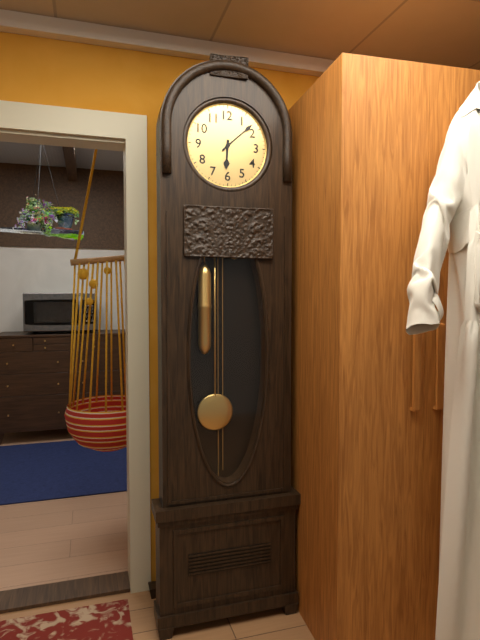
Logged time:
h=6 m=8
